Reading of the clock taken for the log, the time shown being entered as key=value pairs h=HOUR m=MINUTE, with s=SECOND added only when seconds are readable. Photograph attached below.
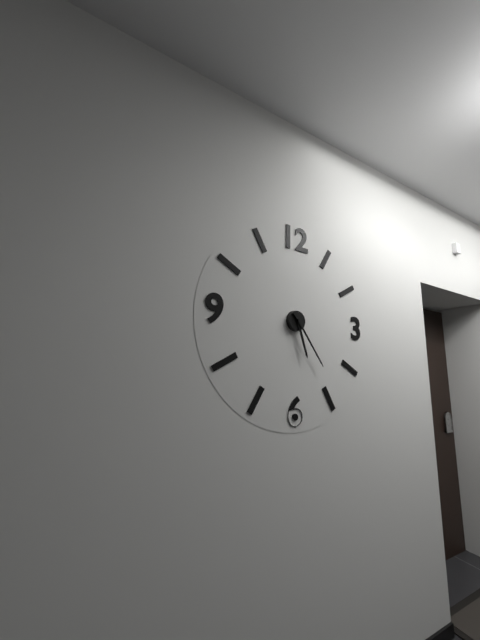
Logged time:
h=5 m=24
